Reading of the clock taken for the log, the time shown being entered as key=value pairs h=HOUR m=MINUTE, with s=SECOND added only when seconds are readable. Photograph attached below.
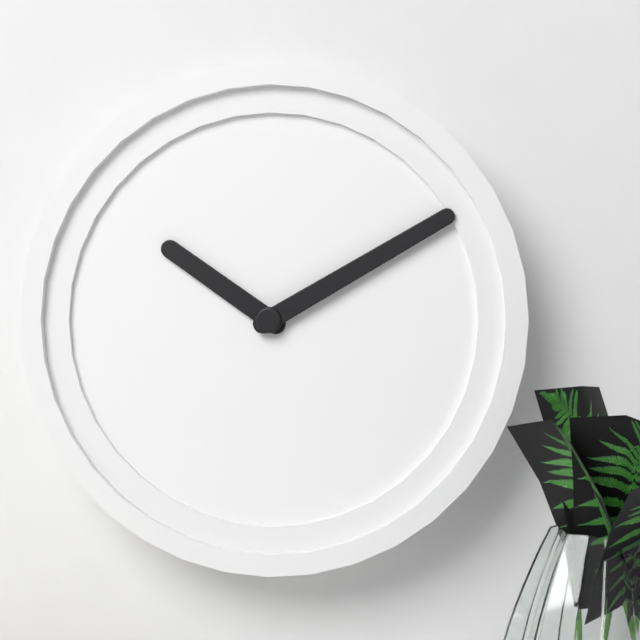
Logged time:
h=10 m=10
